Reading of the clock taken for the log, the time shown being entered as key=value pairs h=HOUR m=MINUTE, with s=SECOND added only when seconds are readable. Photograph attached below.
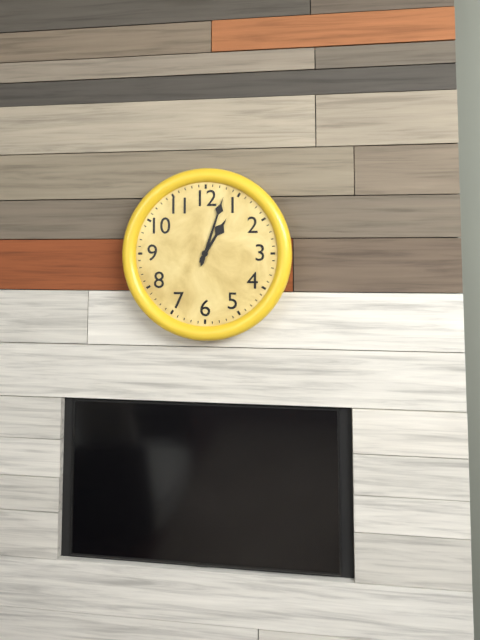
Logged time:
h=1 m=3
